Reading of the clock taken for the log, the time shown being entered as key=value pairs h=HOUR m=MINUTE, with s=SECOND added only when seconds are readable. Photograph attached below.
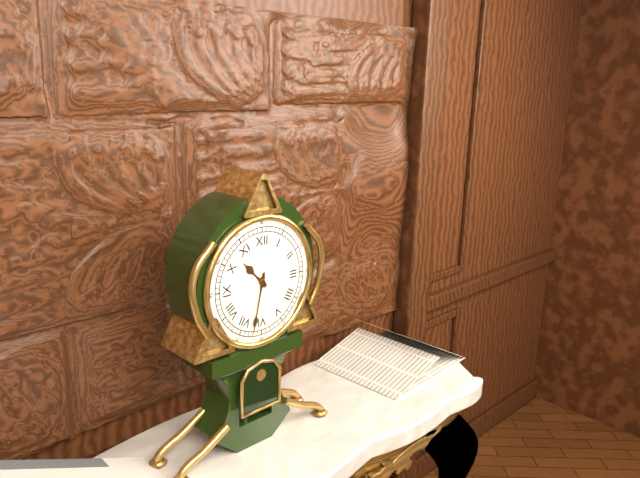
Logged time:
h=10 m=32
